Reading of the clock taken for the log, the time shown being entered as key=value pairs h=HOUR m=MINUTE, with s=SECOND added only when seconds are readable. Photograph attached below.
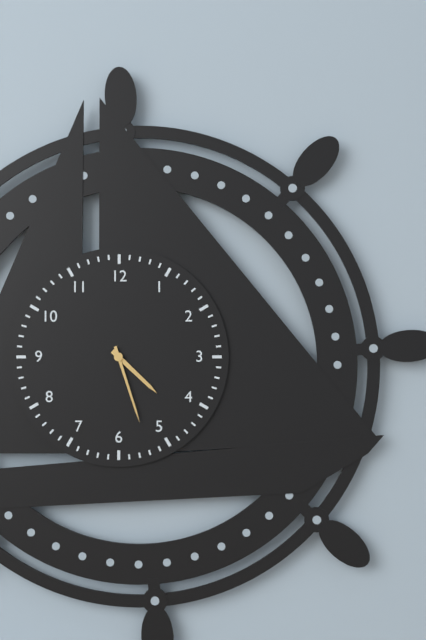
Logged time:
h=4 m=27
